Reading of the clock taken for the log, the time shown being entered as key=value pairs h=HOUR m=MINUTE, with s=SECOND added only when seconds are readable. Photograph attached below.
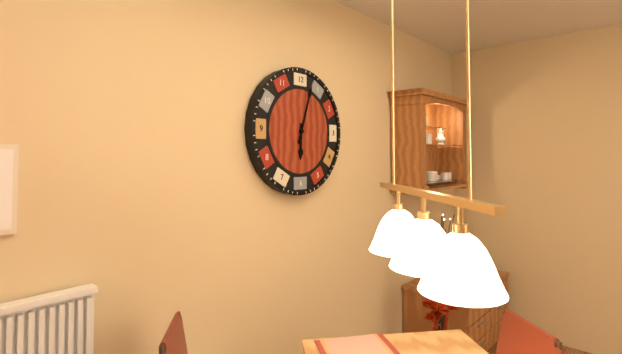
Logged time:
h=6 m=3
